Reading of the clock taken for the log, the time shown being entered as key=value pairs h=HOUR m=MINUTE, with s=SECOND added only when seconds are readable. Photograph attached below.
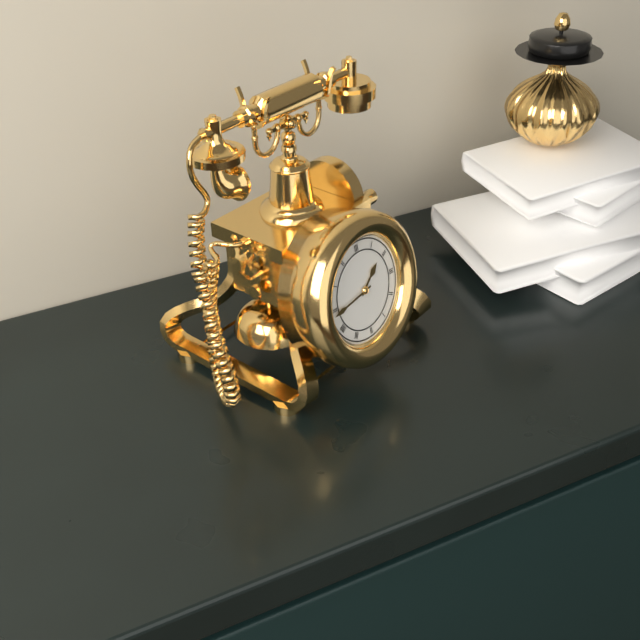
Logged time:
h=1 m=44
